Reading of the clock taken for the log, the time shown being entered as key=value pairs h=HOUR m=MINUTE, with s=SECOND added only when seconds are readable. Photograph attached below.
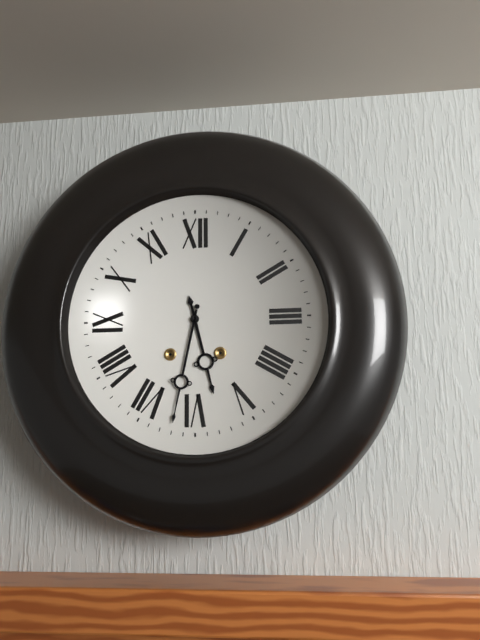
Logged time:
h=5 m=32
